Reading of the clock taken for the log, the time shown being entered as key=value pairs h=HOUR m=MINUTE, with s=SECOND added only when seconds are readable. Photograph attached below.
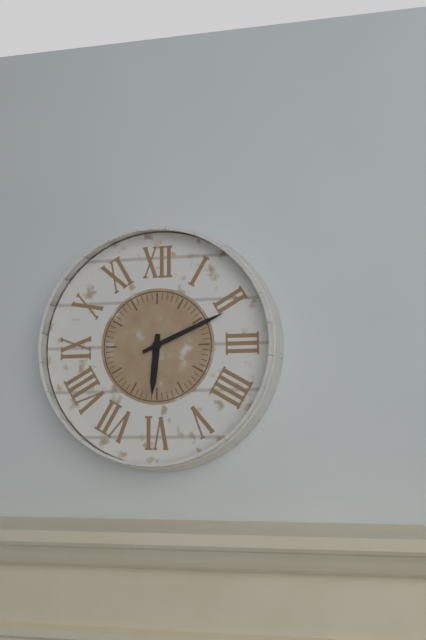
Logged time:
h=6 m=11
